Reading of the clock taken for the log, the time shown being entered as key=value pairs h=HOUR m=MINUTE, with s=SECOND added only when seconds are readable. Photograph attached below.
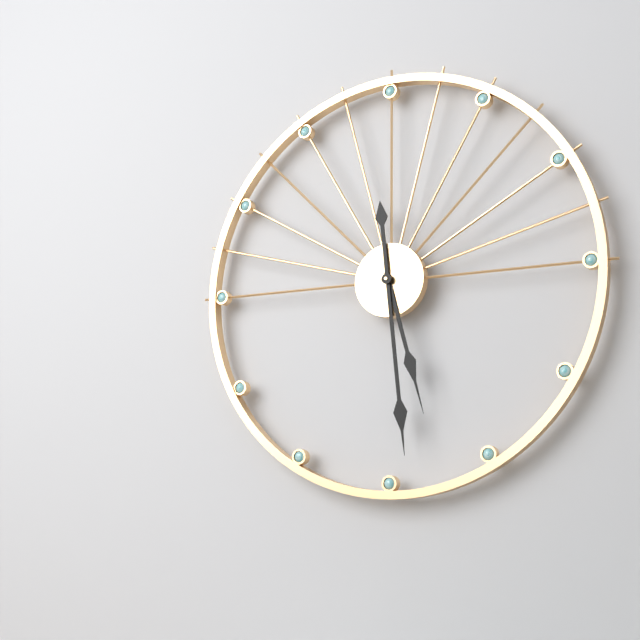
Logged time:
h=5 m=29
